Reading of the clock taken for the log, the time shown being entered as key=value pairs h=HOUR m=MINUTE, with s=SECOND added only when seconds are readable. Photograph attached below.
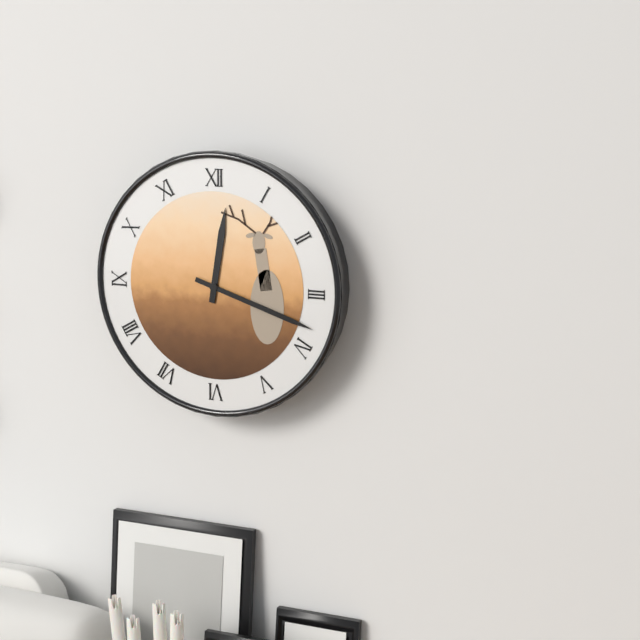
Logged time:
h=12 m=18
